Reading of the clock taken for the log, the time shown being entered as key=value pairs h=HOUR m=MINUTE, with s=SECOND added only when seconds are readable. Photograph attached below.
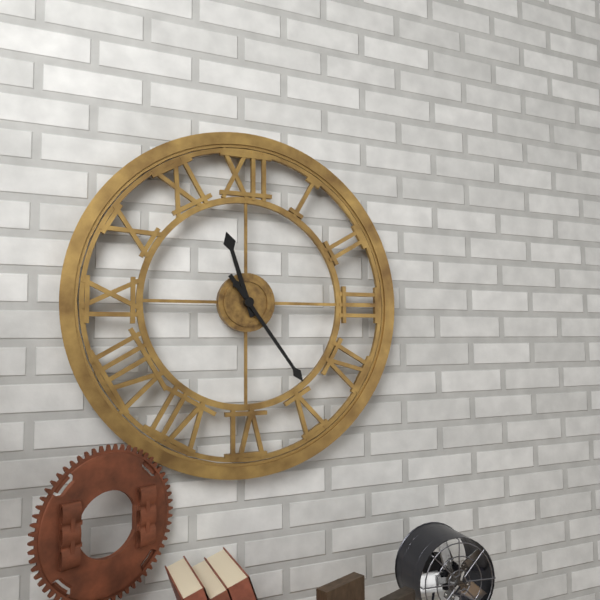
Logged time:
h=11 m=24
